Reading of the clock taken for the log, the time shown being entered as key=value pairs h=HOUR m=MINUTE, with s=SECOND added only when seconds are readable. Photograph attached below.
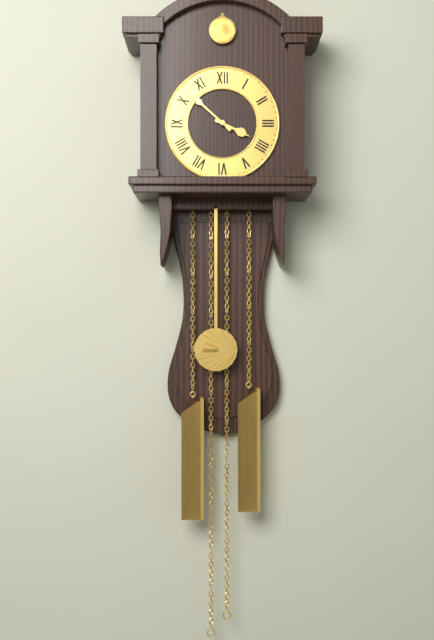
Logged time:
h=3 m=52
